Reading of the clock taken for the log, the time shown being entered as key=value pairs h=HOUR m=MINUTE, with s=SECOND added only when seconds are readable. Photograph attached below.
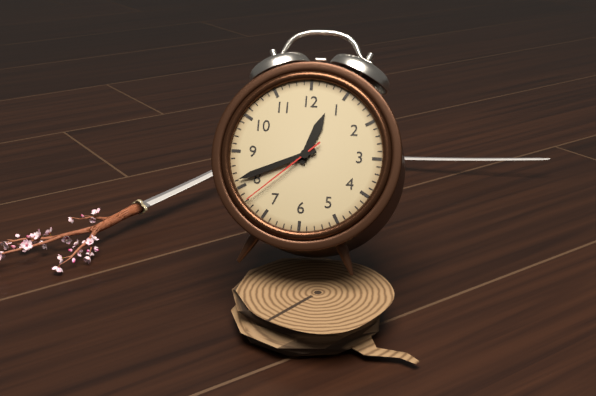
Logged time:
h=12 m=41 s=38
